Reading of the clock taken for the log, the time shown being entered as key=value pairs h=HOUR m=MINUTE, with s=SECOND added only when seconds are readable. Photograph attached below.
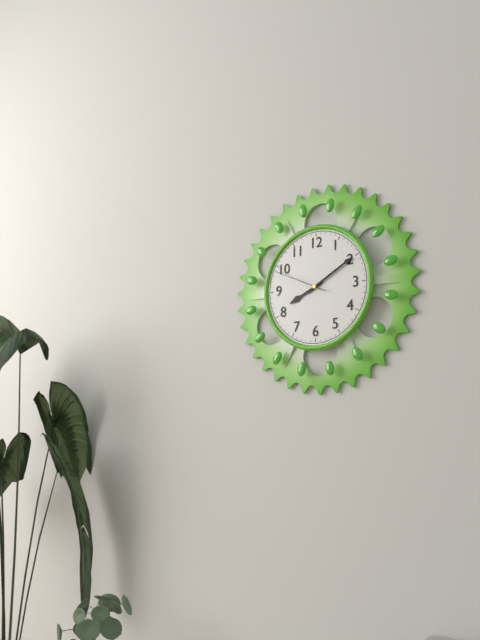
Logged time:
h=8 m=10 s=49
